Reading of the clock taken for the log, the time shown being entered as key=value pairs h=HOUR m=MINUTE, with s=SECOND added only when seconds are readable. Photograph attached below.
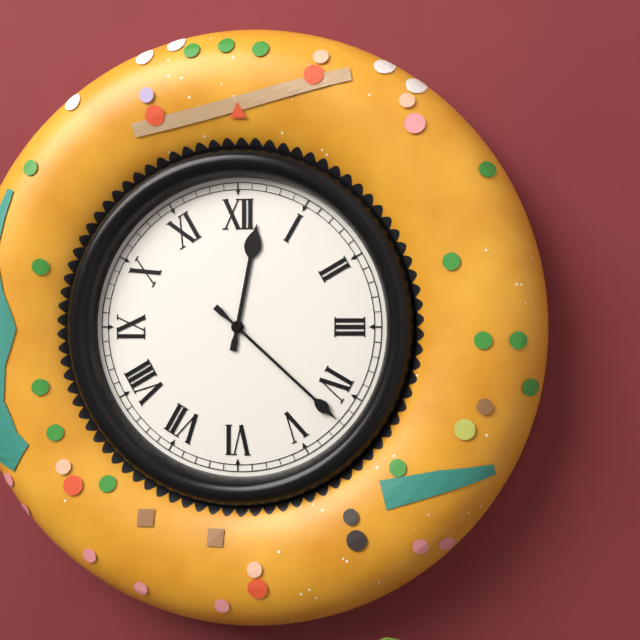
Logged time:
h=12 m=22
